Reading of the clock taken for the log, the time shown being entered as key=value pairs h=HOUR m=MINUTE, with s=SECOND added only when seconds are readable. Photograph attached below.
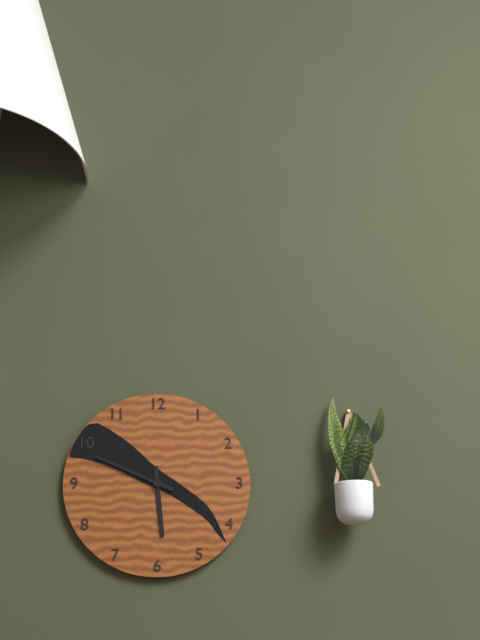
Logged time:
h=5 m=49
